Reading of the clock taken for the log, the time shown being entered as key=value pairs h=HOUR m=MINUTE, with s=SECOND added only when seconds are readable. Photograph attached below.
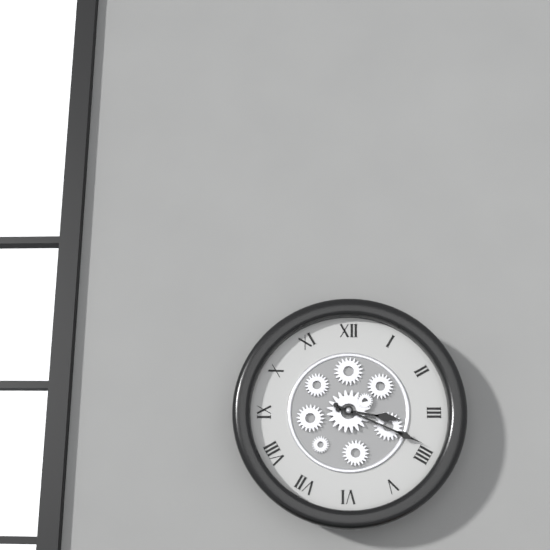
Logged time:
h=3 m=19
